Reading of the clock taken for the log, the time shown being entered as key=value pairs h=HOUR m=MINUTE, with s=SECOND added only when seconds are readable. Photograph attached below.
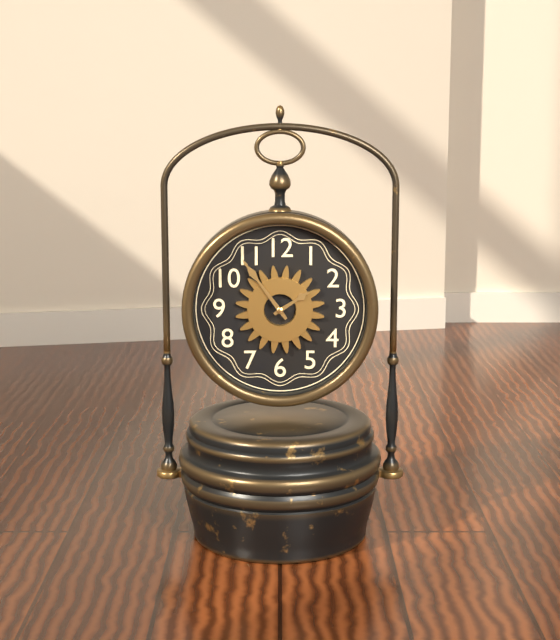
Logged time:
h=1 m=54
